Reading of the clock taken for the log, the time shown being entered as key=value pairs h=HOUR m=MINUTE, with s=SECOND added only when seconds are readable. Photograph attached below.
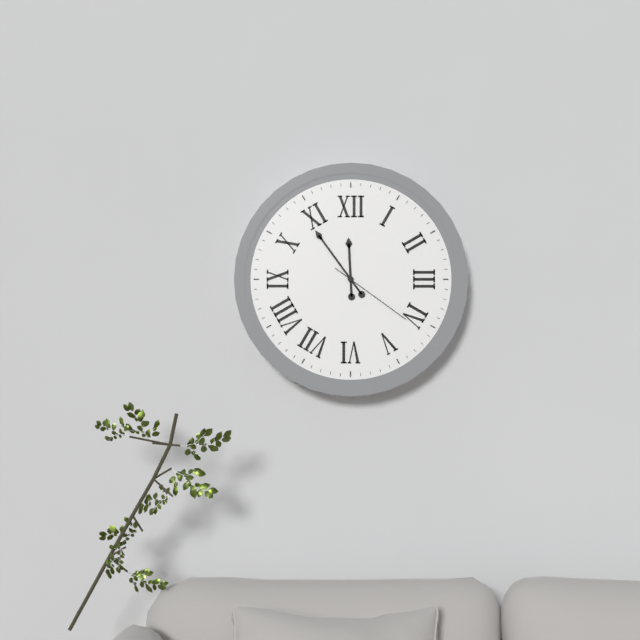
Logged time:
h=11 m=54 s=21
